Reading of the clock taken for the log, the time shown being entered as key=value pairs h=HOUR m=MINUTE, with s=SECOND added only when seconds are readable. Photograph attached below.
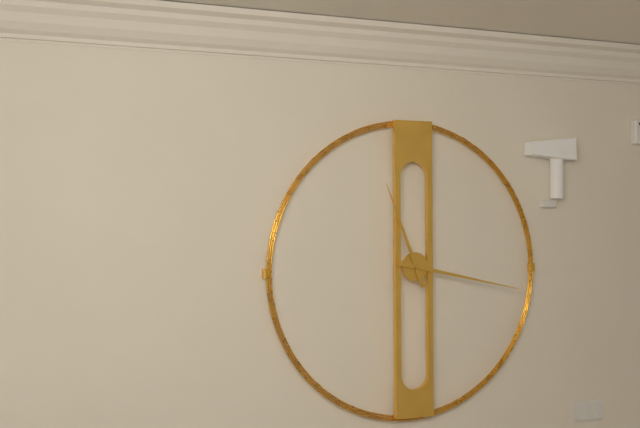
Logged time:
h=11 m=17
